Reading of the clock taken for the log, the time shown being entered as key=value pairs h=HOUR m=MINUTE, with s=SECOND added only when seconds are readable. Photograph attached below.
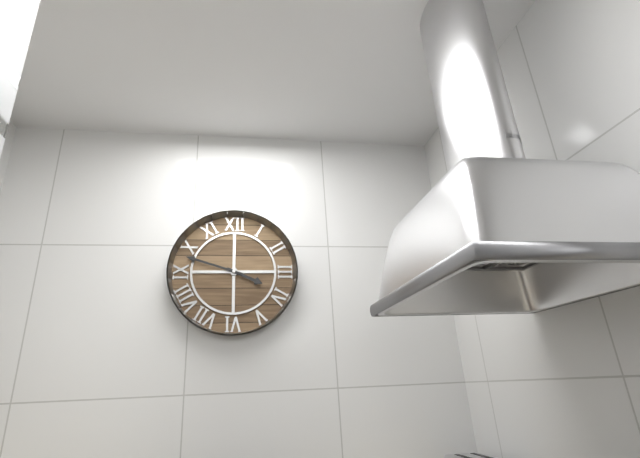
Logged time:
h=3 m=48
